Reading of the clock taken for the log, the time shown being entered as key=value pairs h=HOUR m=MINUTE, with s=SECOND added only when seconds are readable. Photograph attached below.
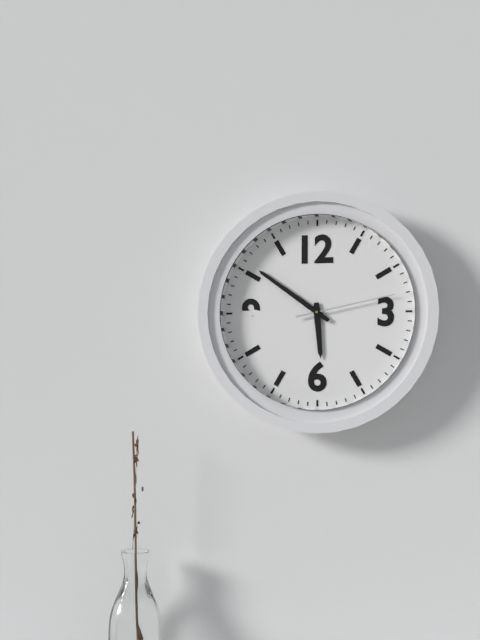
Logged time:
h=5 m=51 s=13
